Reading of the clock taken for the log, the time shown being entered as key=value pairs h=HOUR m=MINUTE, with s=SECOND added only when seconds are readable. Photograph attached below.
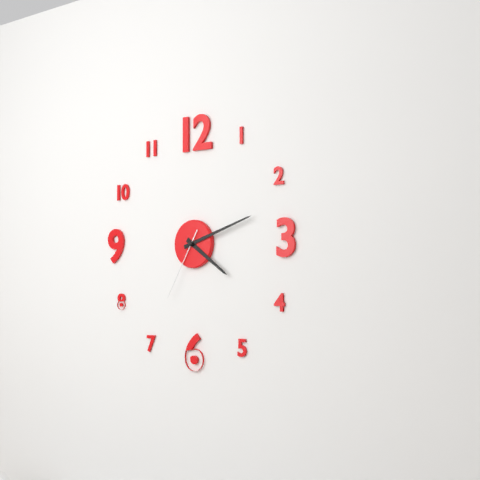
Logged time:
h=4 m=12 s=35
